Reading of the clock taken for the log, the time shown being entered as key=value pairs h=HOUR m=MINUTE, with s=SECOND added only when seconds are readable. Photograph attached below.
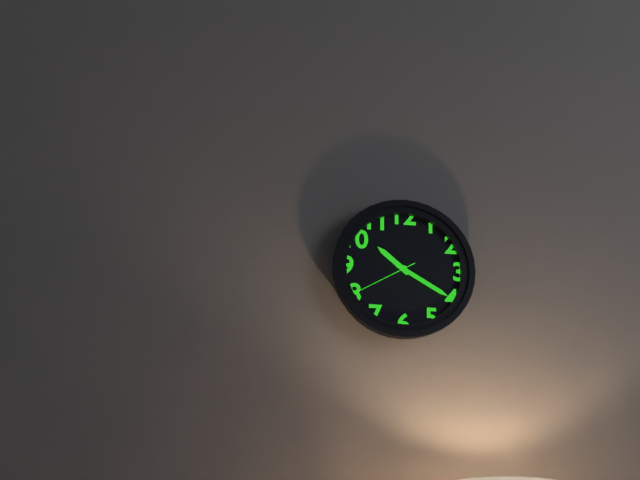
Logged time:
h=10 m=20 s=40
